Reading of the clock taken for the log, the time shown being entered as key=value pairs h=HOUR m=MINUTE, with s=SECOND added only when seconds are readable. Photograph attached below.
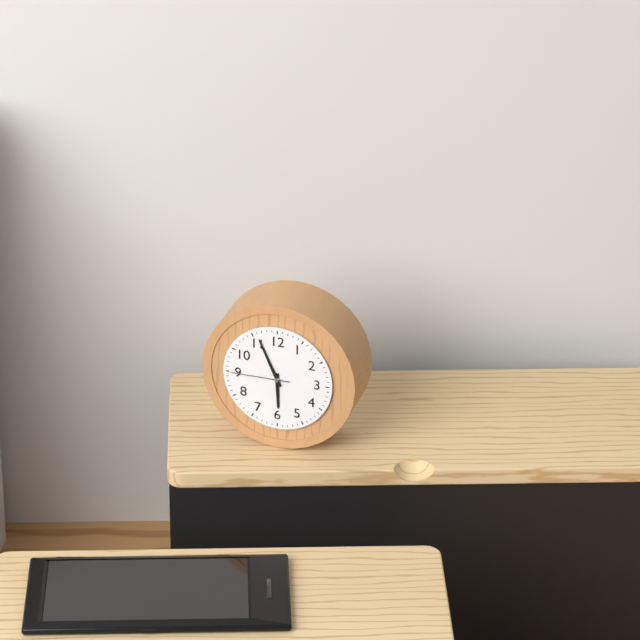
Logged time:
h=5 m=56 s=45
